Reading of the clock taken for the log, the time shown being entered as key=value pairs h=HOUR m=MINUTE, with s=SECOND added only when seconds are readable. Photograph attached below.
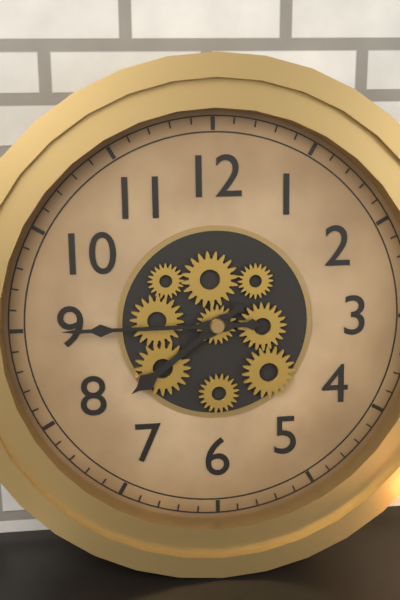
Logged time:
h=7 m=45
